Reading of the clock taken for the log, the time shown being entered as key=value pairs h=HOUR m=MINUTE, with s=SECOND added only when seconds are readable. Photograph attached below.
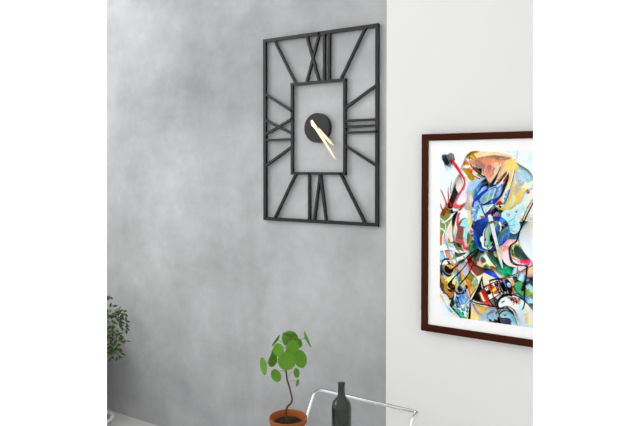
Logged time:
h=4 m=24
